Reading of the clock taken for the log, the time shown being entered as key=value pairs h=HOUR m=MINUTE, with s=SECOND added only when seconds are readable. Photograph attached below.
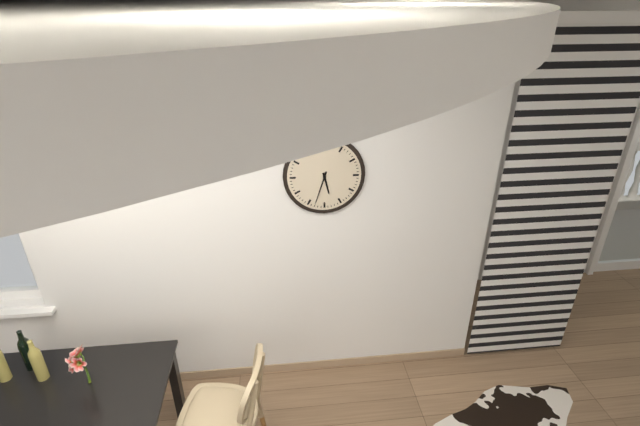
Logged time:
h=5 m=33
